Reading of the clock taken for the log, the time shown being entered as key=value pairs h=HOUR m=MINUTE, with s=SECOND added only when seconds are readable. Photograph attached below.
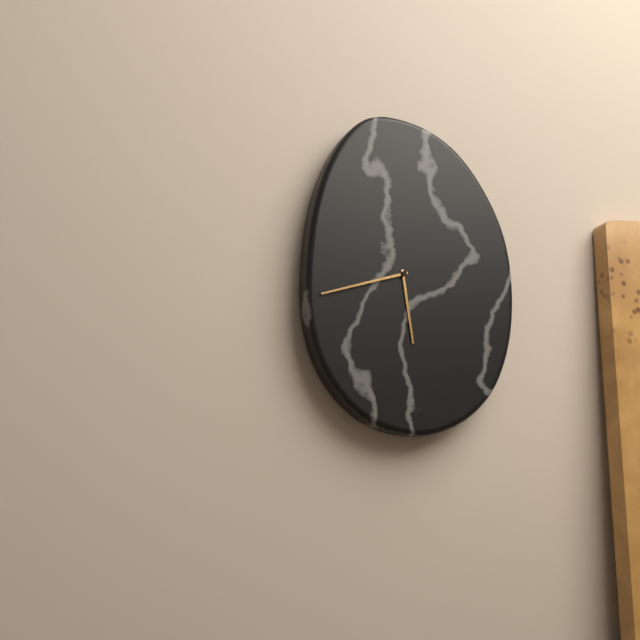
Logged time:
h=5 m=42
